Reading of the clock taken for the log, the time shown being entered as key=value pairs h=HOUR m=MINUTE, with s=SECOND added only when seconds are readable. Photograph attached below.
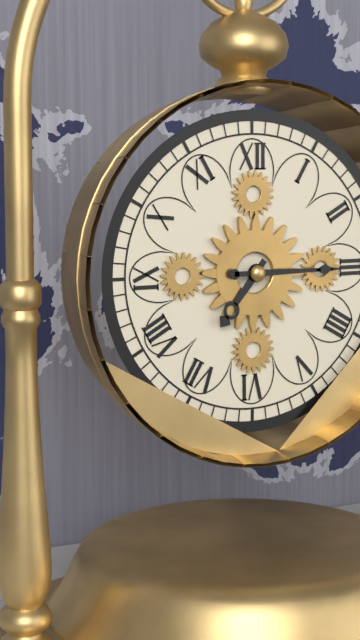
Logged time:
h=7 m=15
